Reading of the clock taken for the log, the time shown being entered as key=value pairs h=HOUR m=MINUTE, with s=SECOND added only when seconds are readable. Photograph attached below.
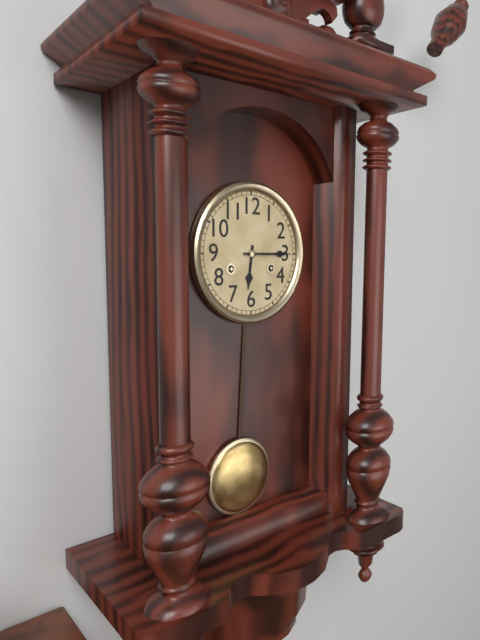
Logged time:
h=6 m=15
